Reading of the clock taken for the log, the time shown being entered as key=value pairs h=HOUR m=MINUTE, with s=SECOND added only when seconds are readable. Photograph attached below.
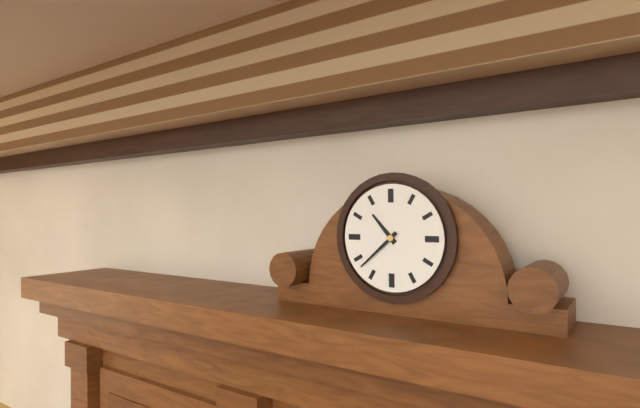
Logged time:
h=10 m=38
